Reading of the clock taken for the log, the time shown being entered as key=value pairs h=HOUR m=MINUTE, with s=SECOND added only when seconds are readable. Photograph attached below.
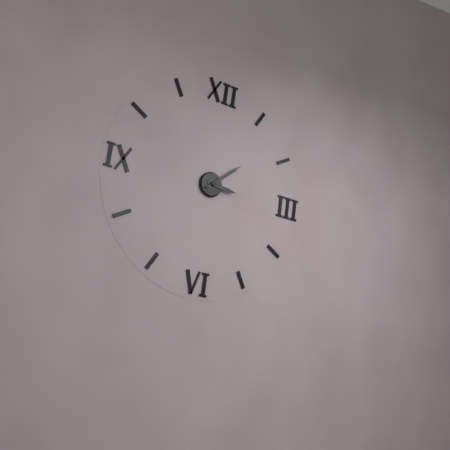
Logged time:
h=3 m=8
